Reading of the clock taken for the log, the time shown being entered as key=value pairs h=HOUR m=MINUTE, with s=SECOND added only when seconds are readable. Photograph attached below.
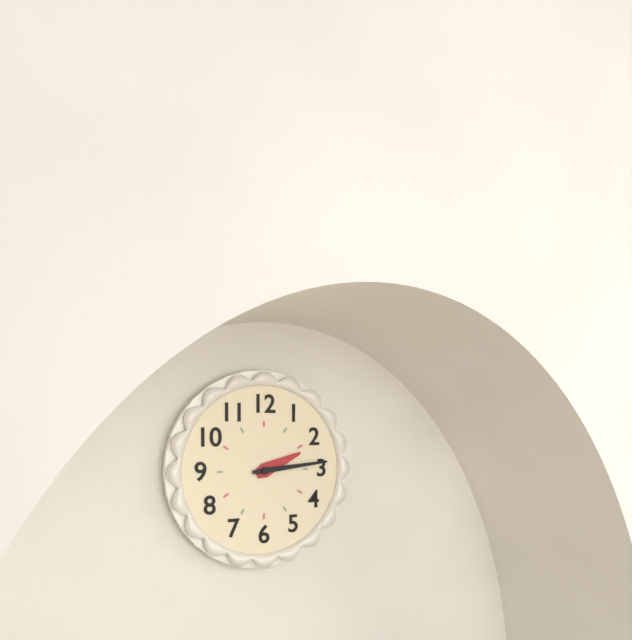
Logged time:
h=2 m=14
